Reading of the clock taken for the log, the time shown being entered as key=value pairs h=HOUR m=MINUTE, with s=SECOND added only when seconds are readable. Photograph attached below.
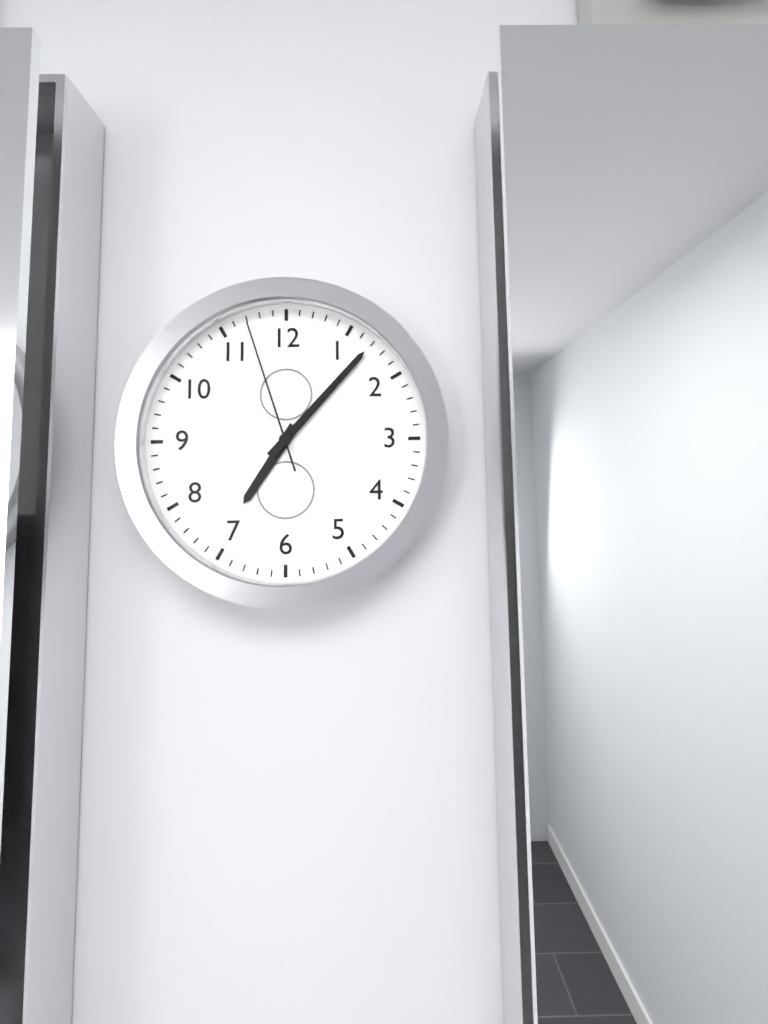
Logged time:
h=7 m=7 s=57
